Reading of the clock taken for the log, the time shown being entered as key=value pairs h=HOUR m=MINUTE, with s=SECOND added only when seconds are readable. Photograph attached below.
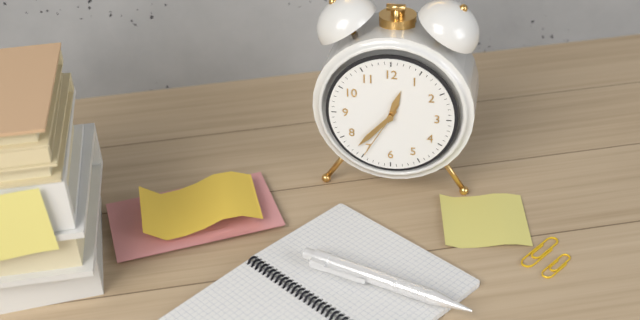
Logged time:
h=12 m=37 s=35
